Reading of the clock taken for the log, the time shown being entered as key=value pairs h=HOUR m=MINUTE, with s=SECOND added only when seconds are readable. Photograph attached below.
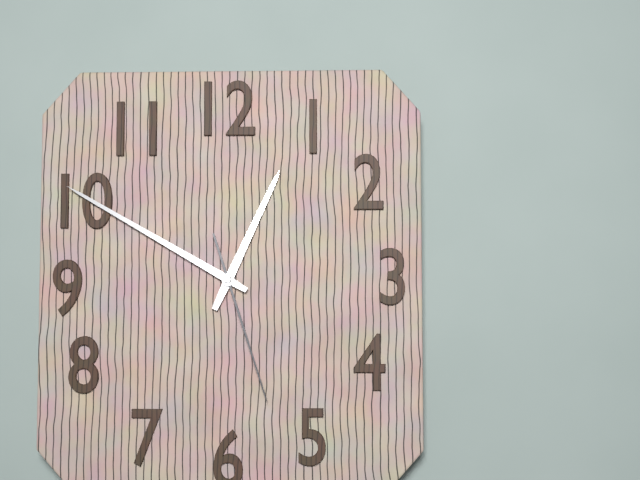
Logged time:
h=12 m=50 s=27
